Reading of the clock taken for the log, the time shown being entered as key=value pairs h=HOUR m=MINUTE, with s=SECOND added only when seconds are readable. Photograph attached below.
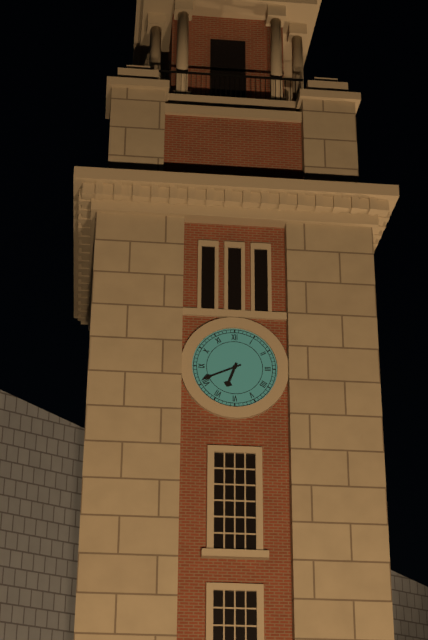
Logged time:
h=6 m=41
